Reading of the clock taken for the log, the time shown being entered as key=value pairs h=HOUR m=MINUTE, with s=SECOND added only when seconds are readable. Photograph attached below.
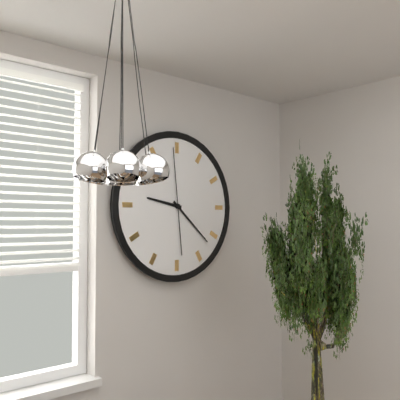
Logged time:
h=9 m=22 s=59
